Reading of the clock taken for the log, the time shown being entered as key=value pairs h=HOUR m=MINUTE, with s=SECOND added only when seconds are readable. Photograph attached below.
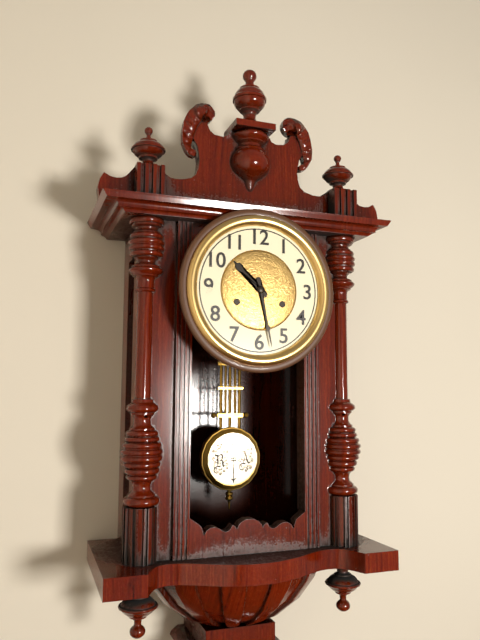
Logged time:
h=10 m=28
